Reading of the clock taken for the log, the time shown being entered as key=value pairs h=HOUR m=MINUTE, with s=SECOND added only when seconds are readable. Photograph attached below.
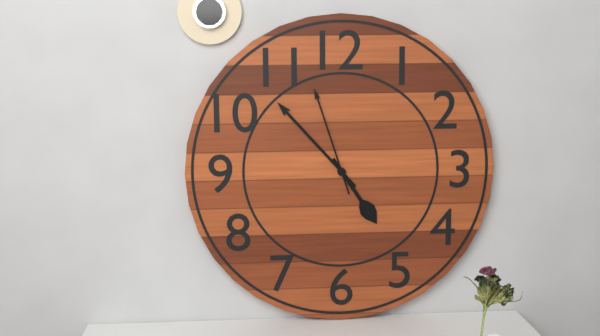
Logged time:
h=4 m=53 s=57
